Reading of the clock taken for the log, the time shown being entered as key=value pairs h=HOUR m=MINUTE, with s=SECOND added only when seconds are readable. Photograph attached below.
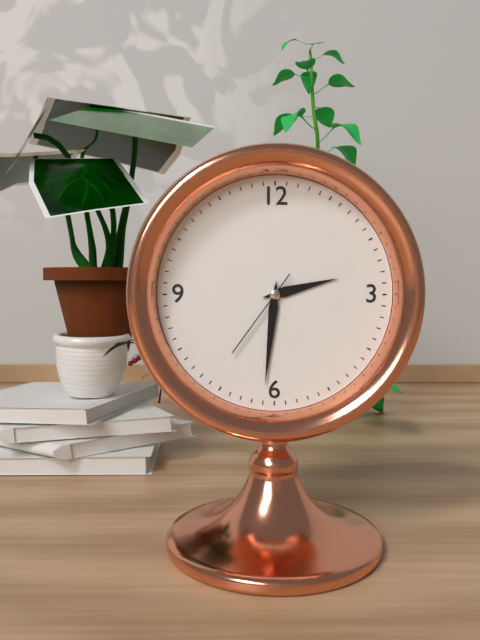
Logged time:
h=2 m=31 s=36
